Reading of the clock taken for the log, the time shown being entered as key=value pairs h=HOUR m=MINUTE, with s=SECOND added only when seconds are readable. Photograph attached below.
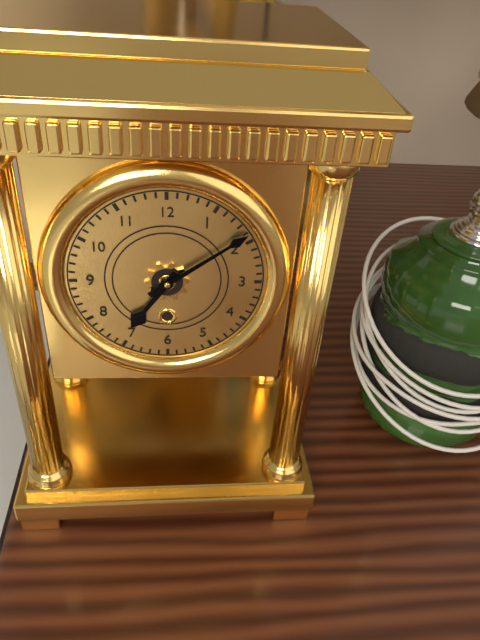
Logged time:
h=7 m=9
